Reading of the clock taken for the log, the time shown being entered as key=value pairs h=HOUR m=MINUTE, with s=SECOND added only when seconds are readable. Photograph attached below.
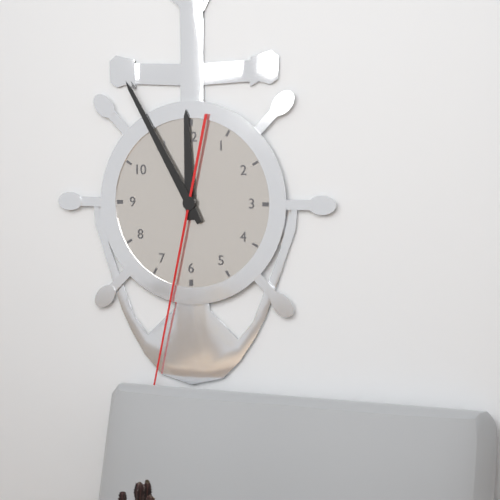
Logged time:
h=11 m=55 s=32
